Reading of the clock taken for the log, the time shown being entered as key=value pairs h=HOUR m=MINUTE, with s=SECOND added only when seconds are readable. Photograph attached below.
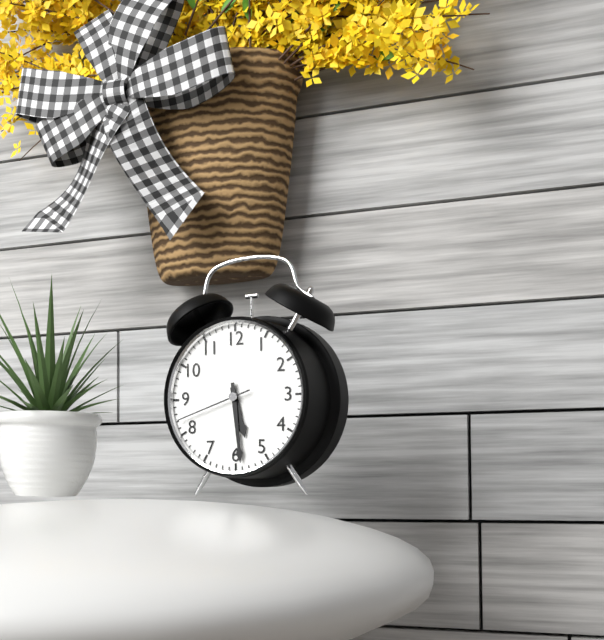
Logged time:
h=5 m=29 s=42
